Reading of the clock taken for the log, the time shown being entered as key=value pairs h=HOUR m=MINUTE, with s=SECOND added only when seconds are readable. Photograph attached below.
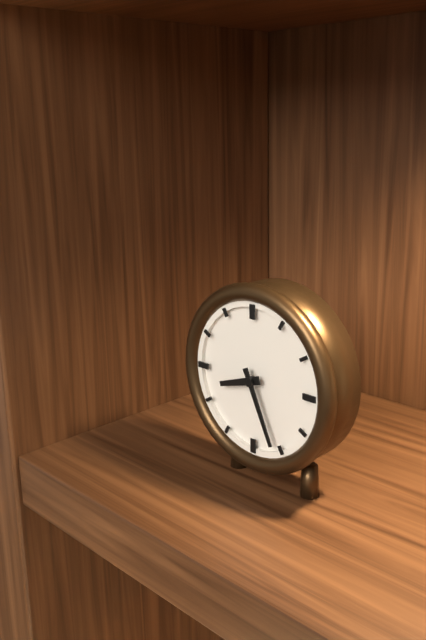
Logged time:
h=8 m=26
